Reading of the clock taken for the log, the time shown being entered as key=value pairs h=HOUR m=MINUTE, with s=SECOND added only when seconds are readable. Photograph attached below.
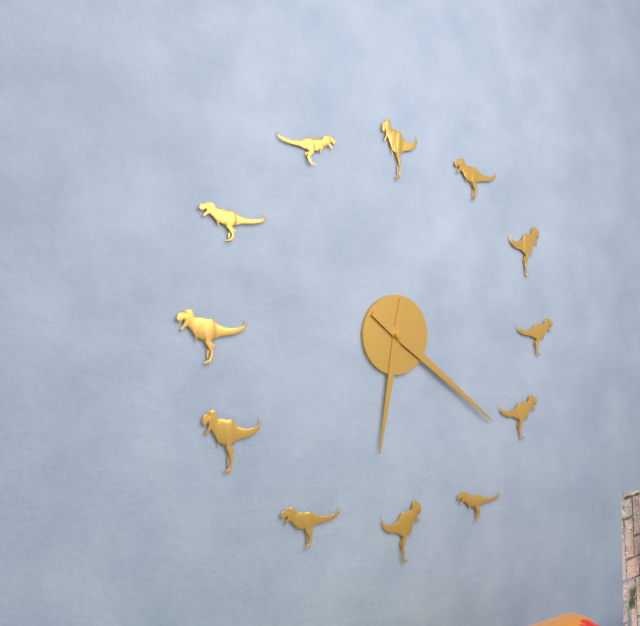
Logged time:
h=6 m=21
